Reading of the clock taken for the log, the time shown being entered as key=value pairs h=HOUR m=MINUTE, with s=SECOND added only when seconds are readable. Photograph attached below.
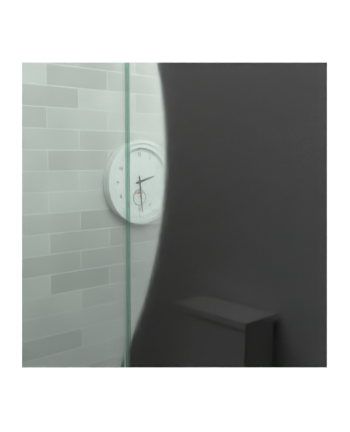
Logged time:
h=2 m=29
